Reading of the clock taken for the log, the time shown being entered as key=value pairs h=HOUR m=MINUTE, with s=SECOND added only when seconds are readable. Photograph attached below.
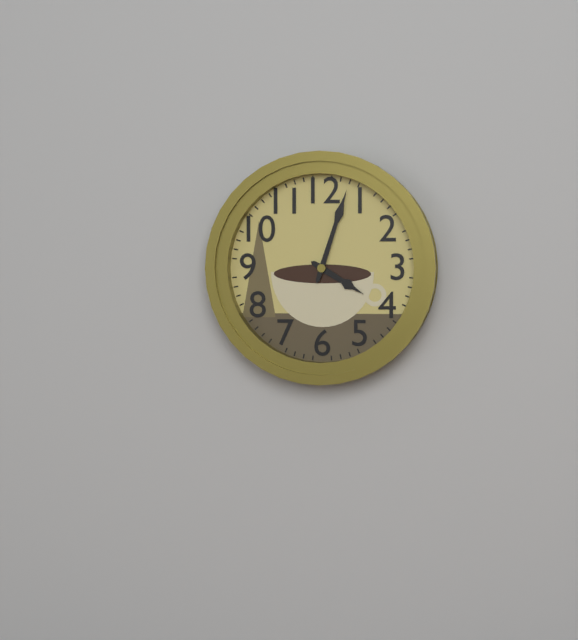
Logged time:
h=4 m=3
